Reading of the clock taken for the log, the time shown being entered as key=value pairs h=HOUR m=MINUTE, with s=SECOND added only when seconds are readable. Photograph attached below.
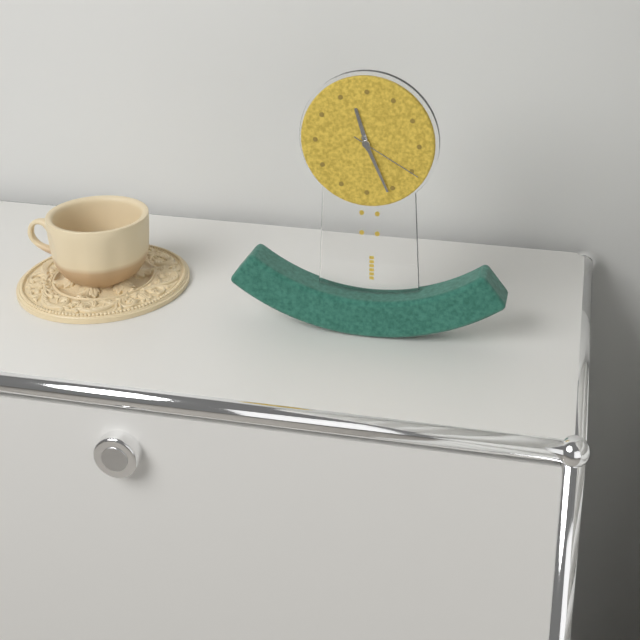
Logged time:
h=11 m=26 s=20
